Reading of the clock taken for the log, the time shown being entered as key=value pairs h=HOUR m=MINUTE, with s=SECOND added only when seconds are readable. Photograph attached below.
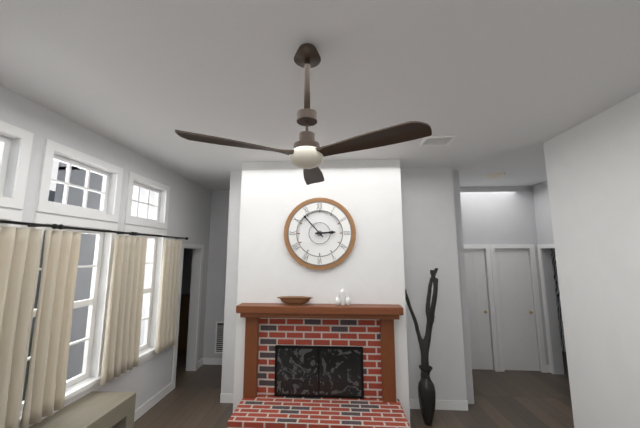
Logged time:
h=2 m=53
